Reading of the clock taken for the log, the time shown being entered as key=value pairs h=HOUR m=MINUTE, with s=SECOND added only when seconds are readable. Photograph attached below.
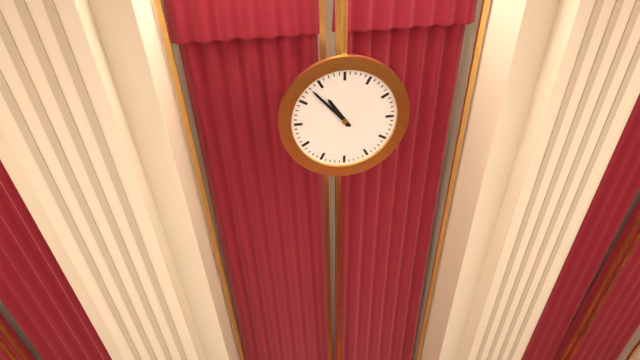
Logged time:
h=10 m=53
